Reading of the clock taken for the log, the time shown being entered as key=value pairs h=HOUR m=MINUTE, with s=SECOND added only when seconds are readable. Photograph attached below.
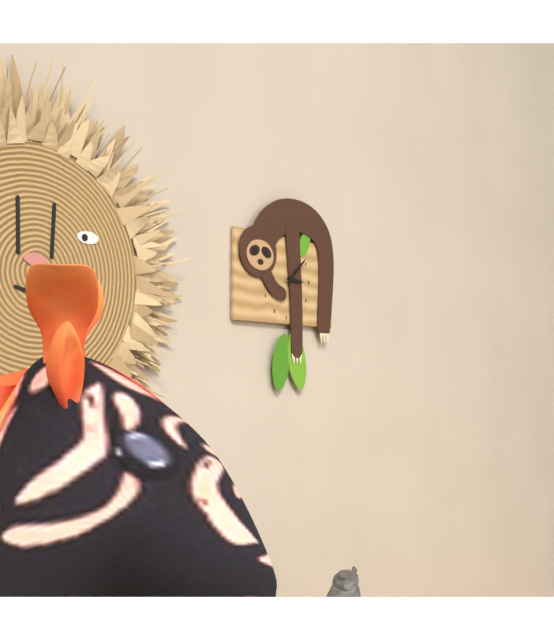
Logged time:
h=3 m=8
